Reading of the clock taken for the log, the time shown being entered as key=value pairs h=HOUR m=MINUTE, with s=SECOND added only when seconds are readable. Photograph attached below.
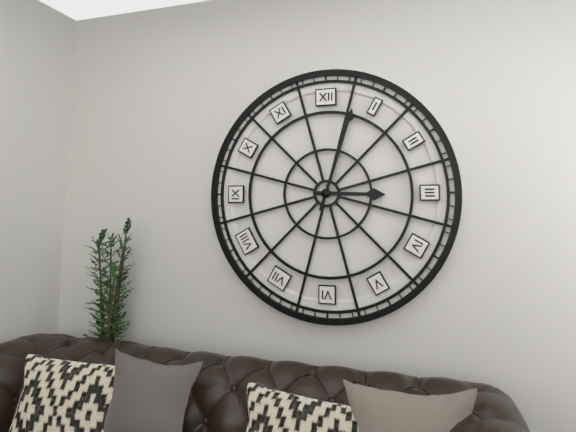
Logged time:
h=3 m=3
